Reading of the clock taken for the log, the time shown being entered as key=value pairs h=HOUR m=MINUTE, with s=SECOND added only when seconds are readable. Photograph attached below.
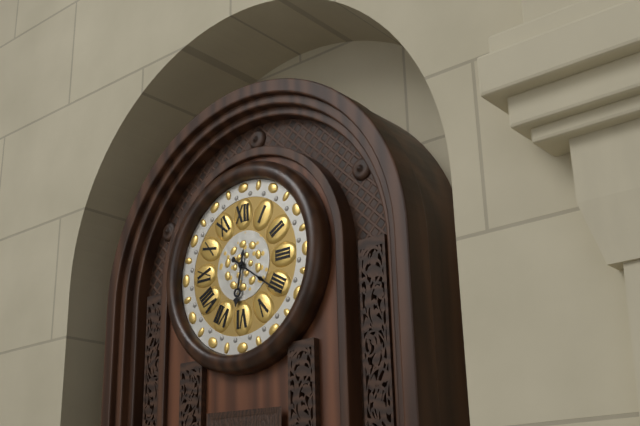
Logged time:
h=6 m=21
